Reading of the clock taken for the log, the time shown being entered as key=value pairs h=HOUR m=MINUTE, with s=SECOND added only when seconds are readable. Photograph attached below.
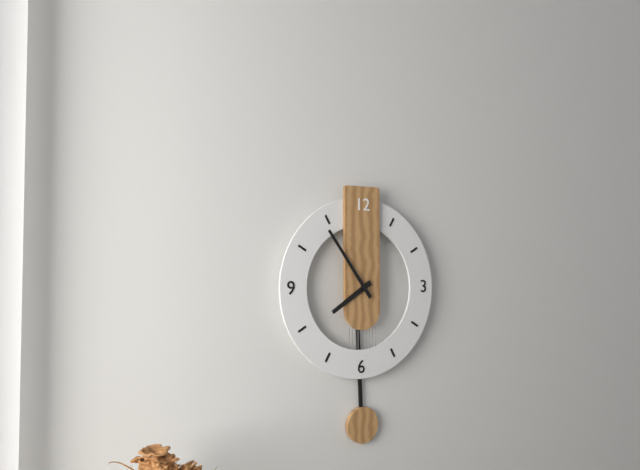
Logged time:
h=7 m=54
